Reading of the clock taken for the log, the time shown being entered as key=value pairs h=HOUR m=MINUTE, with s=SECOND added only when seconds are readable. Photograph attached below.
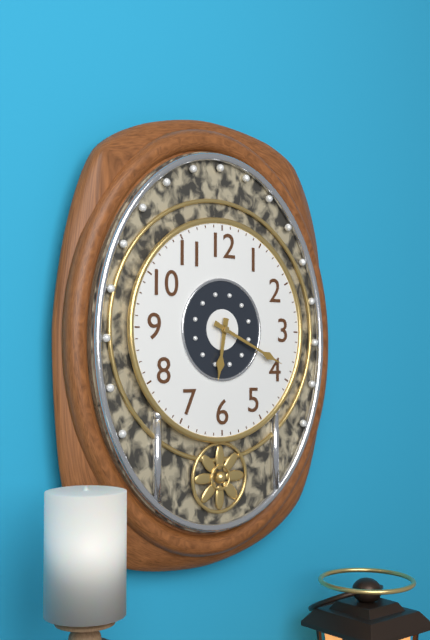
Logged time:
h=6 m=19
